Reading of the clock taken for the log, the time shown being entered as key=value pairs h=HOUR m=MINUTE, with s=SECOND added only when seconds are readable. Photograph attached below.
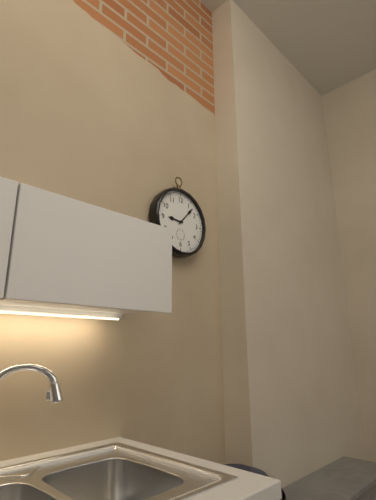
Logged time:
h=9 m=7
